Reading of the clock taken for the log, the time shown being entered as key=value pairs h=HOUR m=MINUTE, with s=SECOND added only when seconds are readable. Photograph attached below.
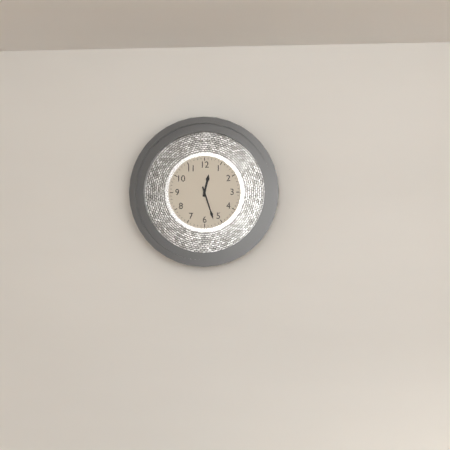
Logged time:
h=12 m=27
